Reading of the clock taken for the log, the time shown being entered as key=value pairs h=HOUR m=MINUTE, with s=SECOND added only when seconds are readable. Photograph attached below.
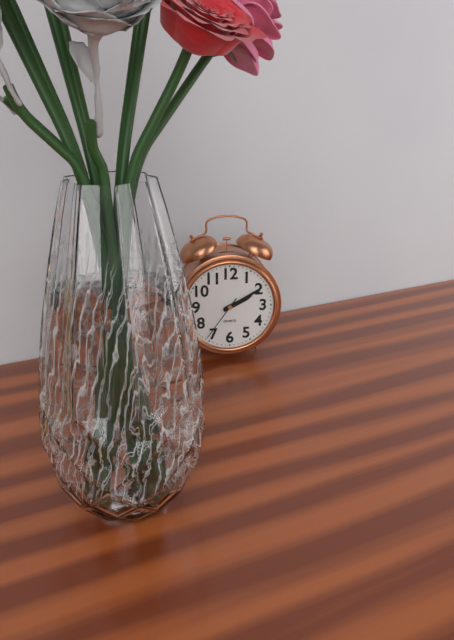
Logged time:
h=2 m=10
